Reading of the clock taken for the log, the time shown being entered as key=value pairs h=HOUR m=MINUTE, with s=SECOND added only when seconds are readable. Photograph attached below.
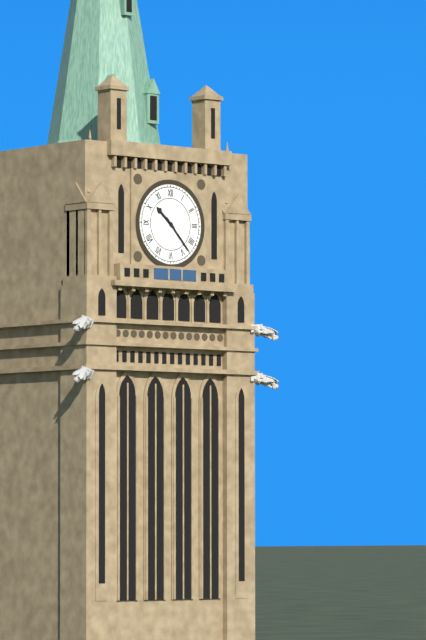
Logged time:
h=10 m=23
